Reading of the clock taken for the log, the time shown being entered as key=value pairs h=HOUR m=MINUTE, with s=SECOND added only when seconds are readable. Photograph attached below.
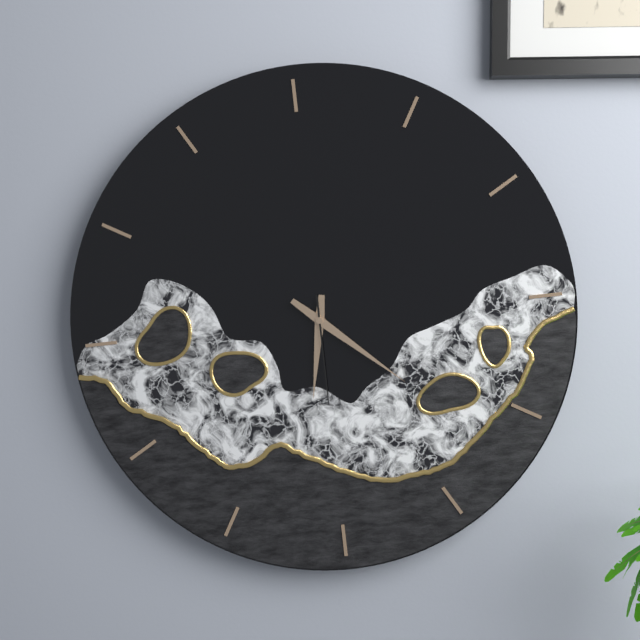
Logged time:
h=6 m=22 s=30
